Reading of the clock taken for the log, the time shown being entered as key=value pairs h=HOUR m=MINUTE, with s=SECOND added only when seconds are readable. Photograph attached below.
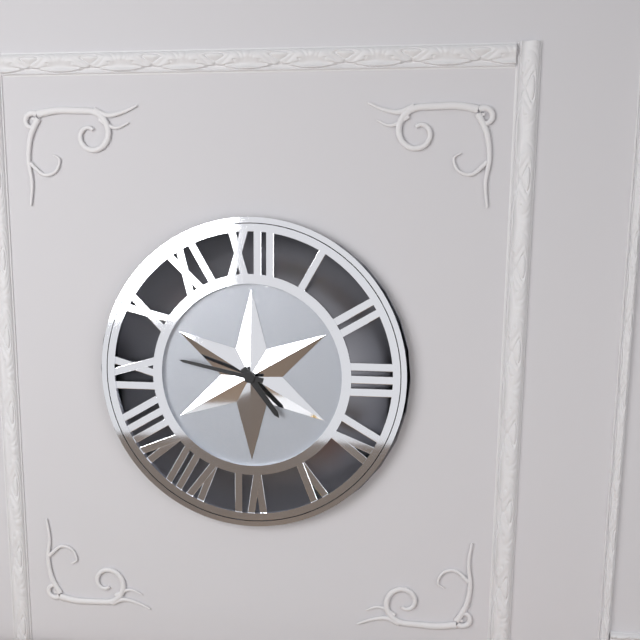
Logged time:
h=4 m=47
